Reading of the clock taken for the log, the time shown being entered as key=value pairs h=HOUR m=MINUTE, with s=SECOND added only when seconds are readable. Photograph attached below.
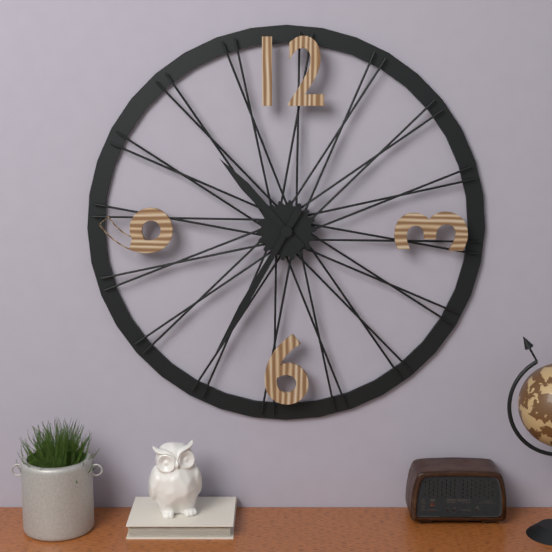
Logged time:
h=10 m=35
